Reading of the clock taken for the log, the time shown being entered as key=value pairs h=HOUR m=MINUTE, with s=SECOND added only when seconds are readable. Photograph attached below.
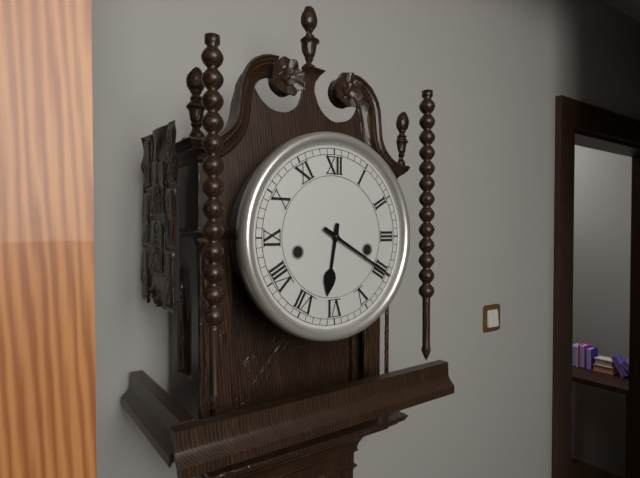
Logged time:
h=6 m=20
